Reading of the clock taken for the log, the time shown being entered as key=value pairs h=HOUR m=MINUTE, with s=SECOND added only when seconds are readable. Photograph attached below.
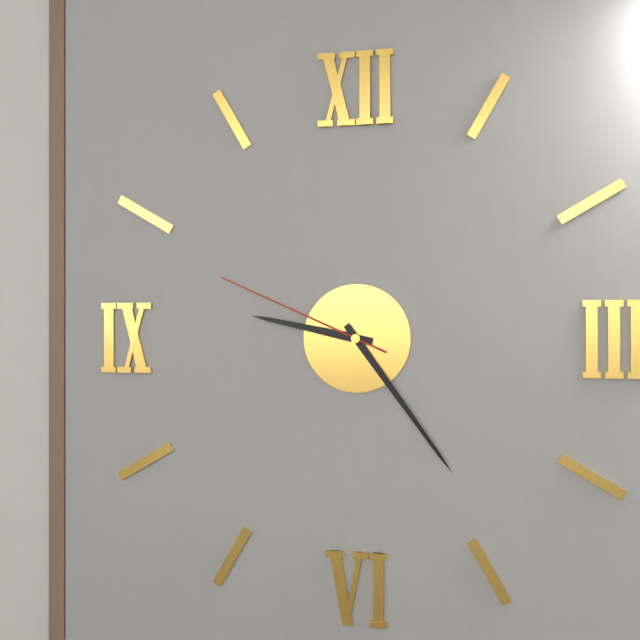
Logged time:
h=9 m=24 s=49
